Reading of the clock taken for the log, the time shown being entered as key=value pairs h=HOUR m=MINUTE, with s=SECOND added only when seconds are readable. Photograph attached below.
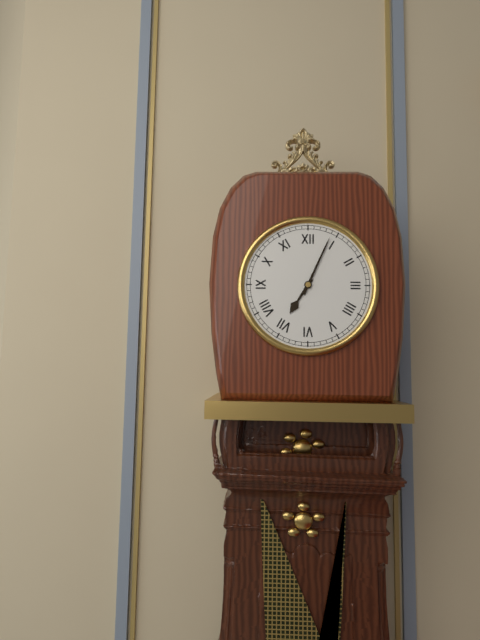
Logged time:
h=7 m=4
